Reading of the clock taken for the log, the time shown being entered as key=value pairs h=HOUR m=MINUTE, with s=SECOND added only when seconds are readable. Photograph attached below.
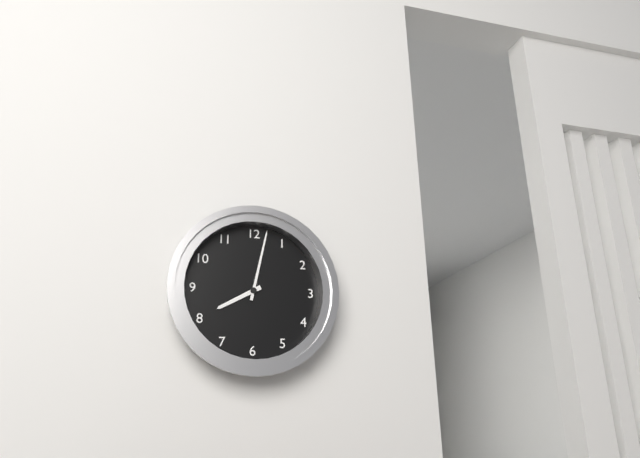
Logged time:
h=8 m=2
